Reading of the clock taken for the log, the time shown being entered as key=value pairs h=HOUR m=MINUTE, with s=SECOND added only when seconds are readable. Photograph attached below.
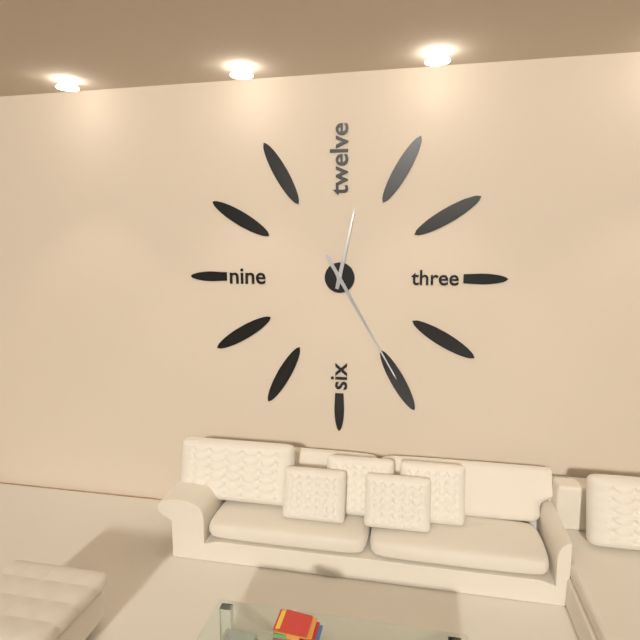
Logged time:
h=12 m=25
